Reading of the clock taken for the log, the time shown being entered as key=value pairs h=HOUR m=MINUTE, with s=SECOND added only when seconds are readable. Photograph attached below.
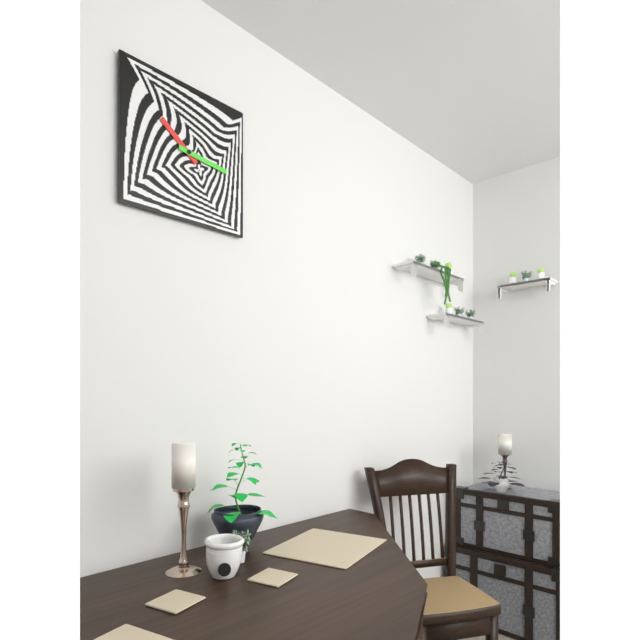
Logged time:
h=10 m=16
